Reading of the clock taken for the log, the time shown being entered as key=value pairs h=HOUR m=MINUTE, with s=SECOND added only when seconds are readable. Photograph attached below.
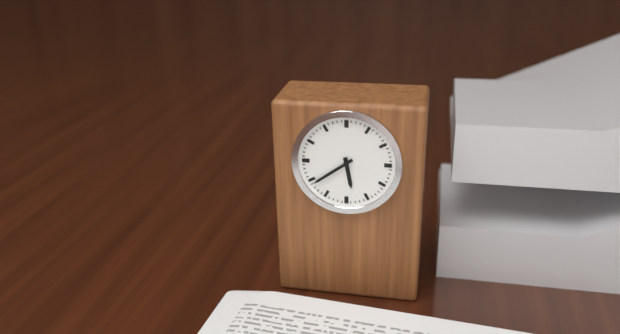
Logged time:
h=5 m=39
